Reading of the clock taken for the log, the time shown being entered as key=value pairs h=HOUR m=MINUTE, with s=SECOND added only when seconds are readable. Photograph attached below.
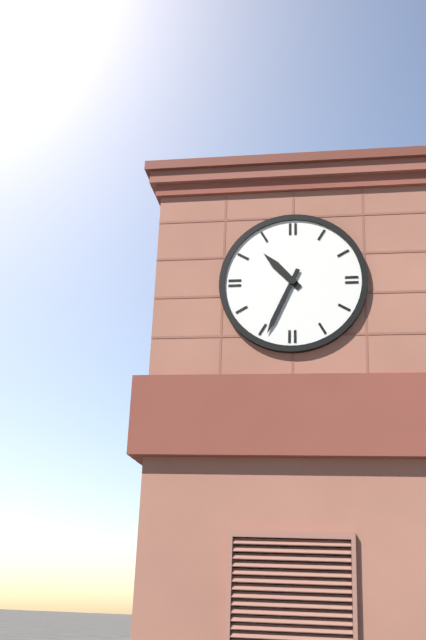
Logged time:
h=10 m=34
